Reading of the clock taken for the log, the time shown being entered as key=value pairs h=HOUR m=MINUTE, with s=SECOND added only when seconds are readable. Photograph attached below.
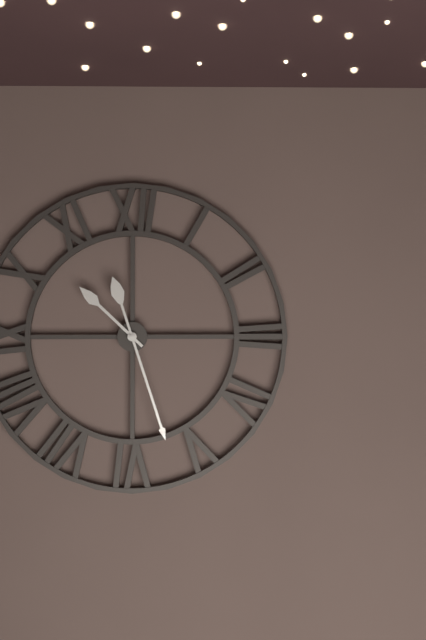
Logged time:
h=10 m=27
